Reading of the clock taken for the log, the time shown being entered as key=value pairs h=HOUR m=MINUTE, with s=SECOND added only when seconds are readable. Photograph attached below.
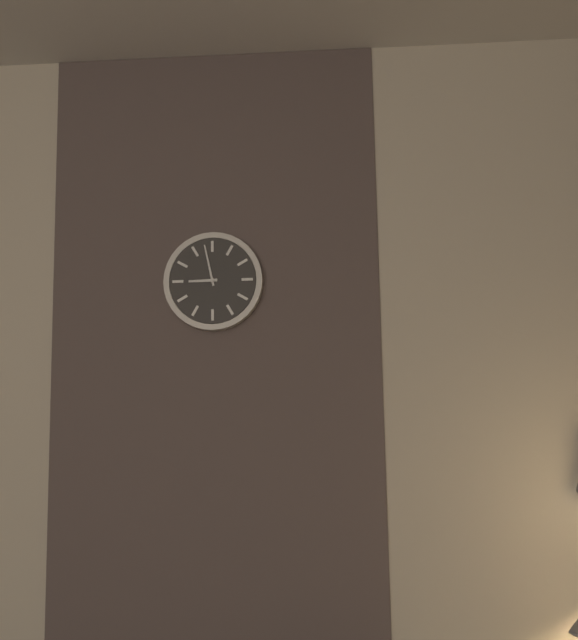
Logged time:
h=8 m=58
